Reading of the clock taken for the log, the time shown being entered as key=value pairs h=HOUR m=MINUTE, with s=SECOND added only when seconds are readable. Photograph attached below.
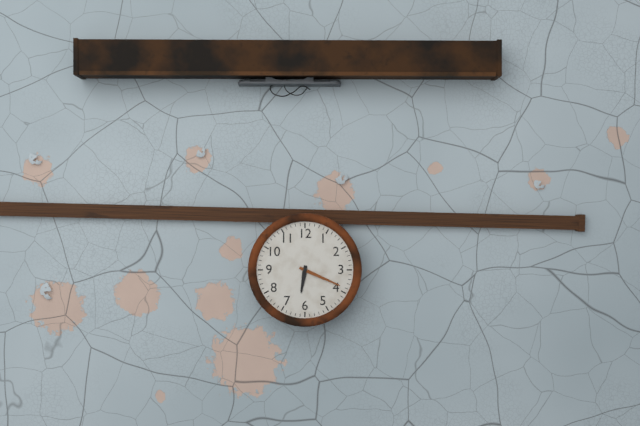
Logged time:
h=6 m=19
